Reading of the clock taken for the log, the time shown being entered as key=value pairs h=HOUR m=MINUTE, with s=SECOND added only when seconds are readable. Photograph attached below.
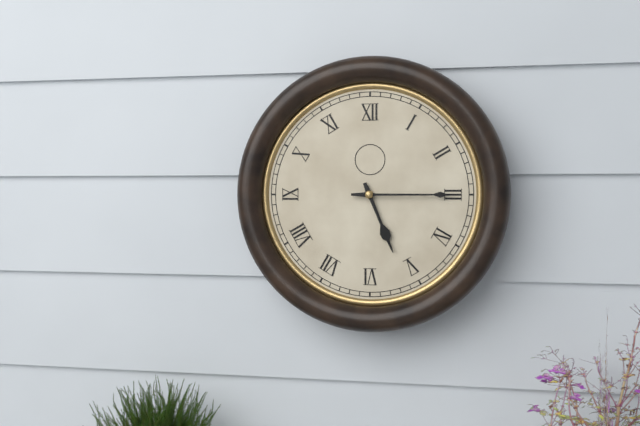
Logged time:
h=5 m=15
